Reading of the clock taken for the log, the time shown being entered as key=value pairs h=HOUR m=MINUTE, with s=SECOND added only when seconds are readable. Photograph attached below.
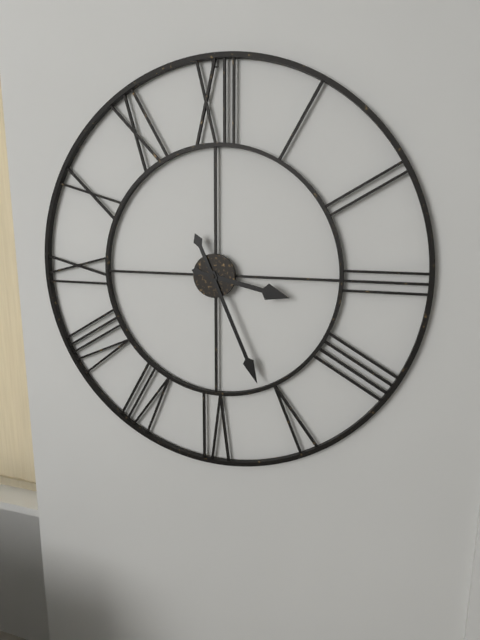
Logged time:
h=3 m=26
